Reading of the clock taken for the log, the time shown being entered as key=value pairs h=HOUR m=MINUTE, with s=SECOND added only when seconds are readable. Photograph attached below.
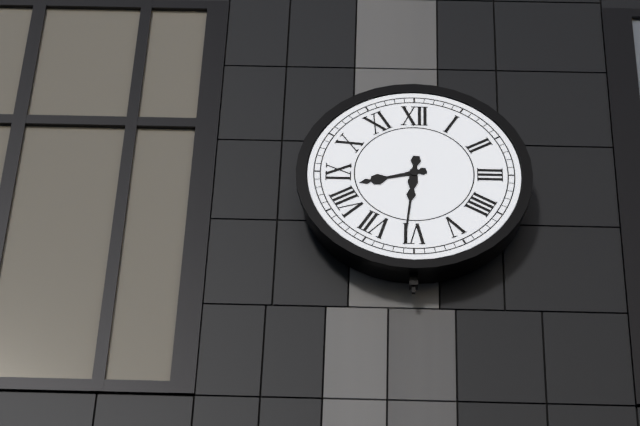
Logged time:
h=8 m=31
